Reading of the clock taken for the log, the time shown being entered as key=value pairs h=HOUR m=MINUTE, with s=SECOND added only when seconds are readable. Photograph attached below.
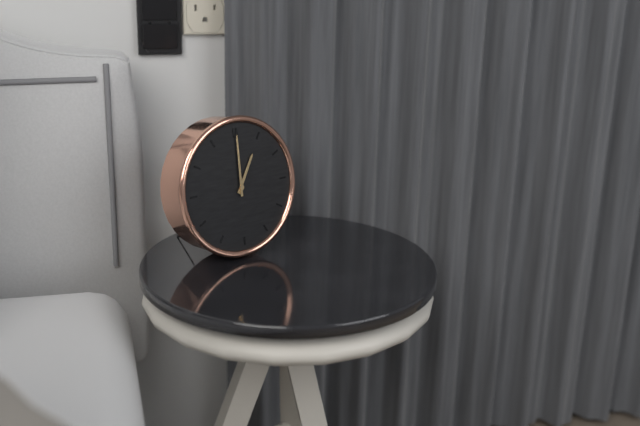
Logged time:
h=1 m=0
